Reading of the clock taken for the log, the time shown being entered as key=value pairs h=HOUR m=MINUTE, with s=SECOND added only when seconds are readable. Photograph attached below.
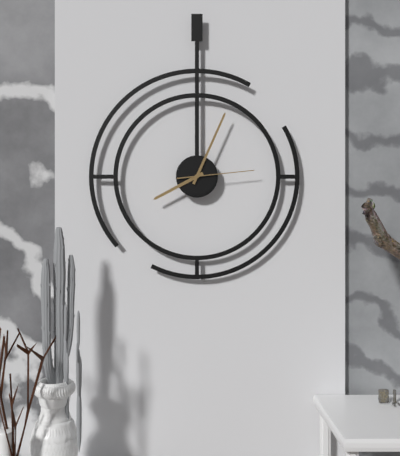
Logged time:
h=8 m=4 s=14
